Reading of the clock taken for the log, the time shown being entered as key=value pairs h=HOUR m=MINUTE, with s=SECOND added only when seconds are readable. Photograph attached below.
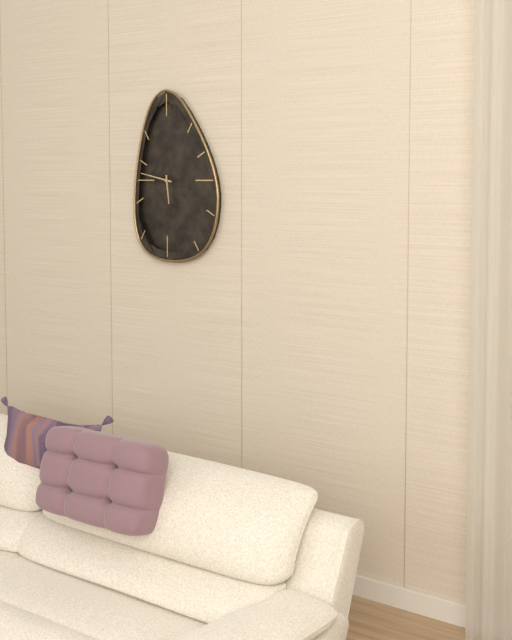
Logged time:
h=5 m=47
